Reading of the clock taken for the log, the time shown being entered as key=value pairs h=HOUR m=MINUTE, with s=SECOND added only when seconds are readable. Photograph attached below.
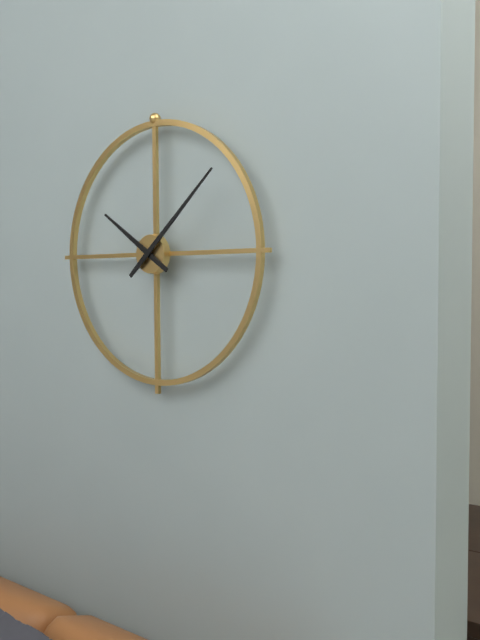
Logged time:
h=10 m=8
